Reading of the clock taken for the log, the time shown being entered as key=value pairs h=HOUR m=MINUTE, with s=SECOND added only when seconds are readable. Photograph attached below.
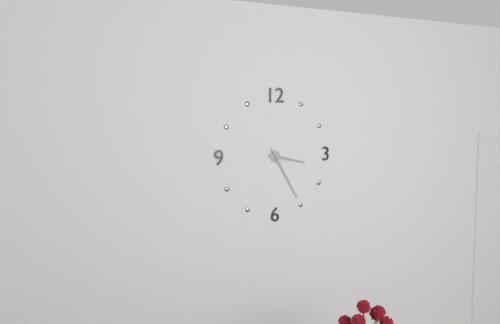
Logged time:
h=3 m=25
